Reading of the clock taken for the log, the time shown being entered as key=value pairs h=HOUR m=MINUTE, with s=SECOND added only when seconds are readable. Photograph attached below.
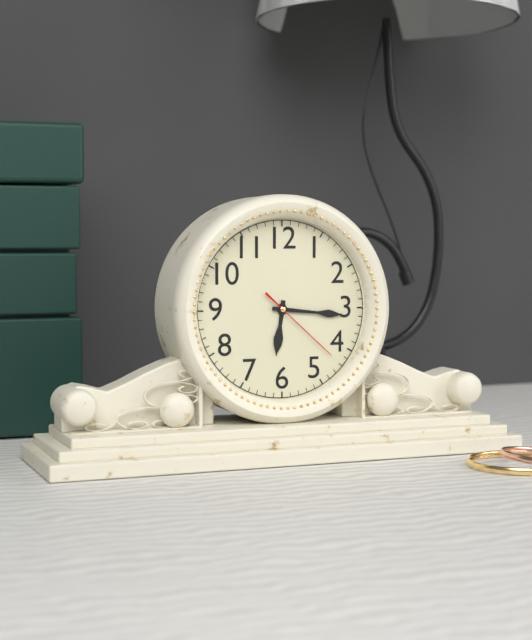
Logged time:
h=6 m=16 s=22
